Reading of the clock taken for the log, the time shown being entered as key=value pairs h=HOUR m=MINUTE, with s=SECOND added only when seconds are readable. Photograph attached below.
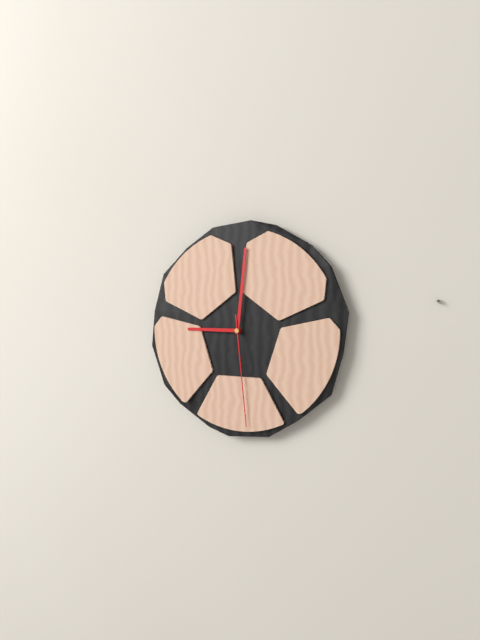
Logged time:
h=9 m=1 s=29
